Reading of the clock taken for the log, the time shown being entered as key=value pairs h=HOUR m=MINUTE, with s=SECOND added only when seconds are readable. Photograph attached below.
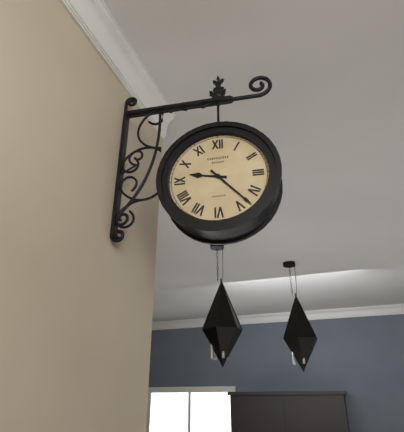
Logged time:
h=9 m=23
